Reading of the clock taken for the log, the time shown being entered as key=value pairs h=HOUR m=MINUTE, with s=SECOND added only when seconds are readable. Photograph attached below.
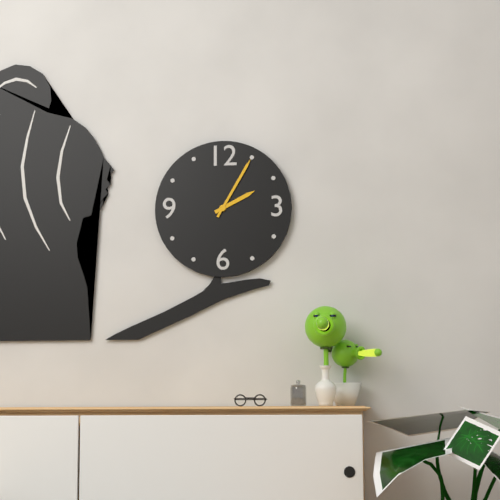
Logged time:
h=2 m=5
